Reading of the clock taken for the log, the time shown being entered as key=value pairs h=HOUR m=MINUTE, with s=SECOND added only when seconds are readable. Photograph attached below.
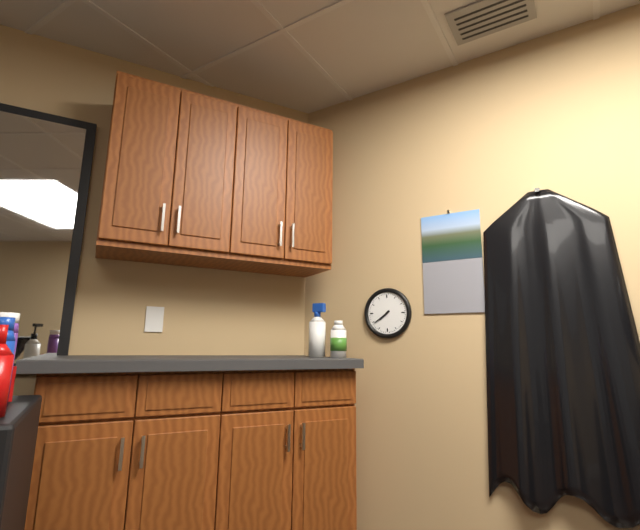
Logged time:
h=7 m=39
